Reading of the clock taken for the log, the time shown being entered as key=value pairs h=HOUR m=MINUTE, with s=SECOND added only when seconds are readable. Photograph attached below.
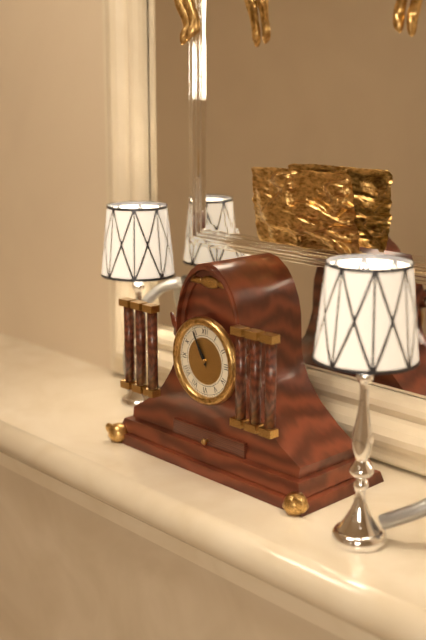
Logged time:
h=10 m=55
